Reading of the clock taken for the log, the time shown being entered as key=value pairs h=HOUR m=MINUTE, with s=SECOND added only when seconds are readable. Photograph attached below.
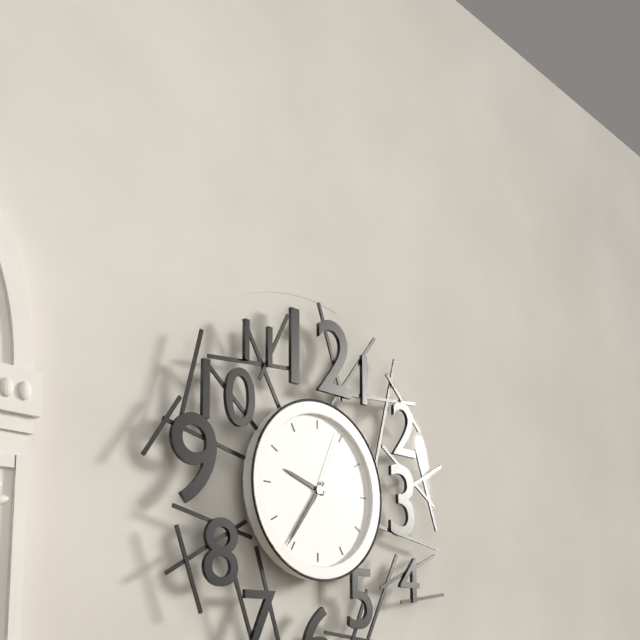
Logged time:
h=9 m=36 s=4
